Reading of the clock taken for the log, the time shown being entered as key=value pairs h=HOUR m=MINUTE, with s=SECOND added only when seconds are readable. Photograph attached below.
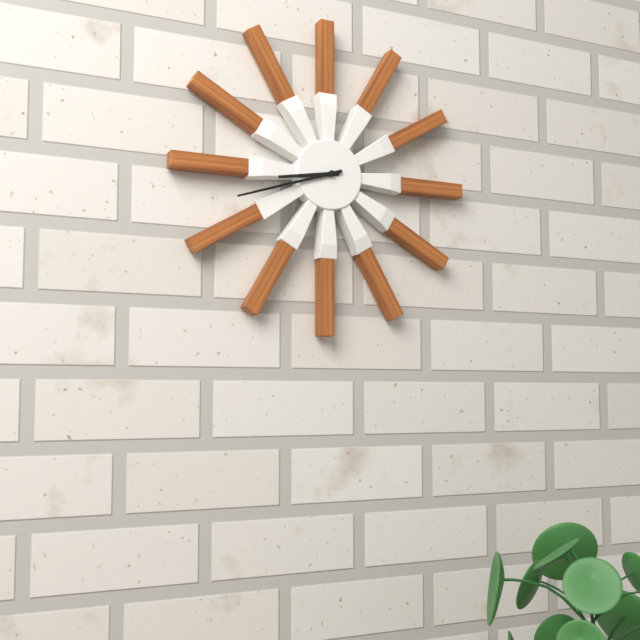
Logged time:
h=8 m=42
